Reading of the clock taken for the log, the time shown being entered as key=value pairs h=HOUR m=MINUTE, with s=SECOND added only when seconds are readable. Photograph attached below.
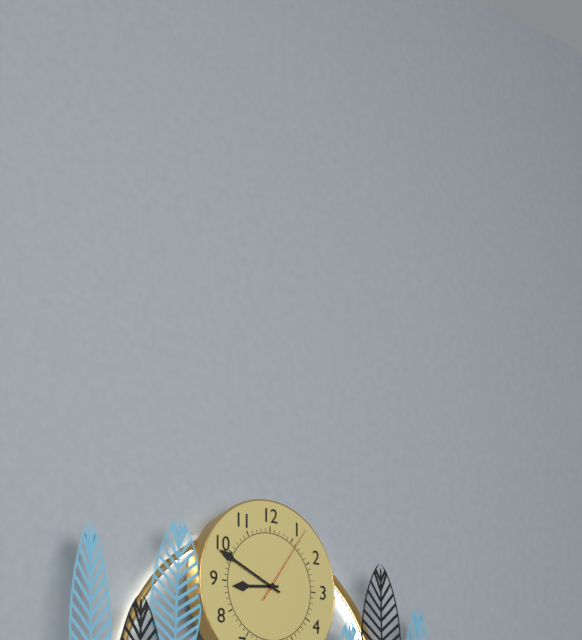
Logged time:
h=8 m=49 s=6
